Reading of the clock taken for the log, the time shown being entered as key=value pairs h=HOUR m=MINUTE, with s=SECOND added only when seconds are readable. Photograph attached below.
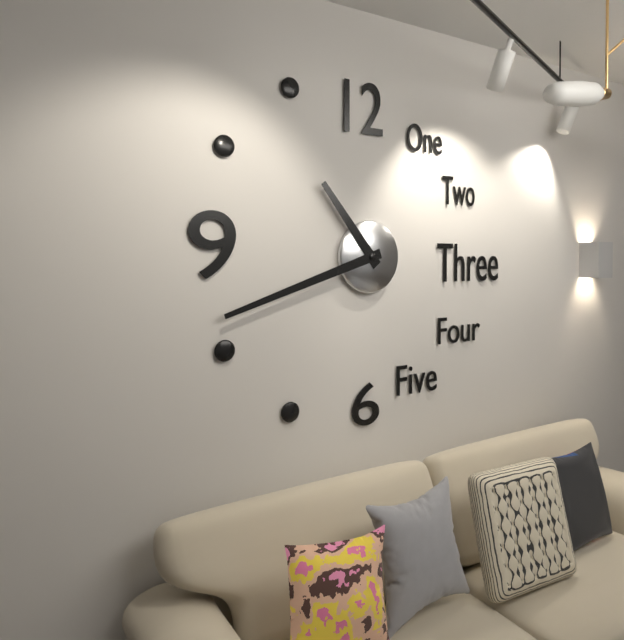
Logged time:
h=10 m=42
